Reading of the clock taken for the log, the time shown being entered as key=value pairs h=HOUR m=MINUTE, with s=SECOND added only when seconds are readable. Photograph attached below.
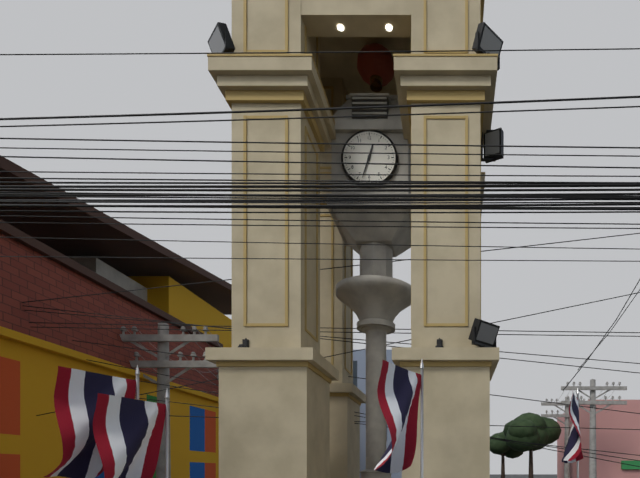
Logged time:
h=12 m=33
